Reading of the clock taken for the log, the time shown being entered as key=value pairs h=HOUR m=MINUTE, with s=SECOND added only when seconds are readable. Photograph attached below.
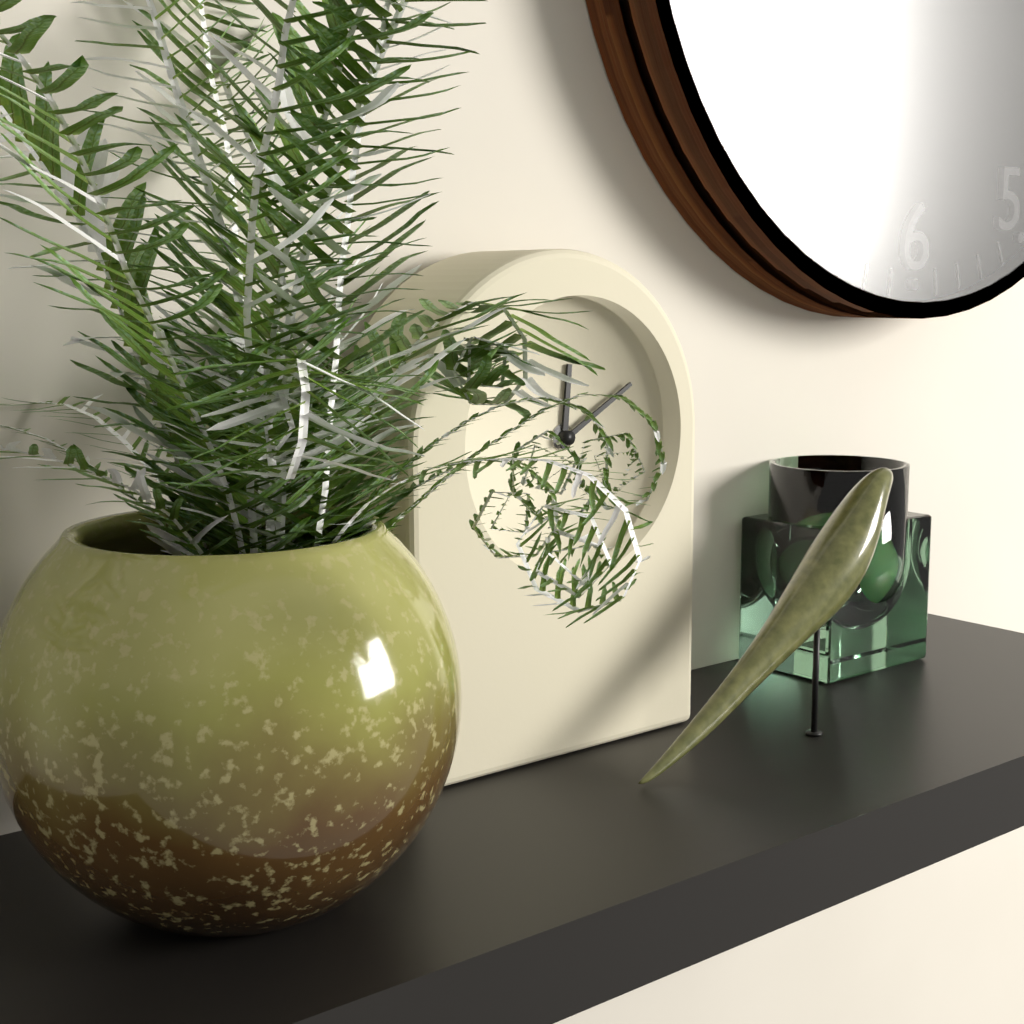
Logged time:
h=12 m=10
